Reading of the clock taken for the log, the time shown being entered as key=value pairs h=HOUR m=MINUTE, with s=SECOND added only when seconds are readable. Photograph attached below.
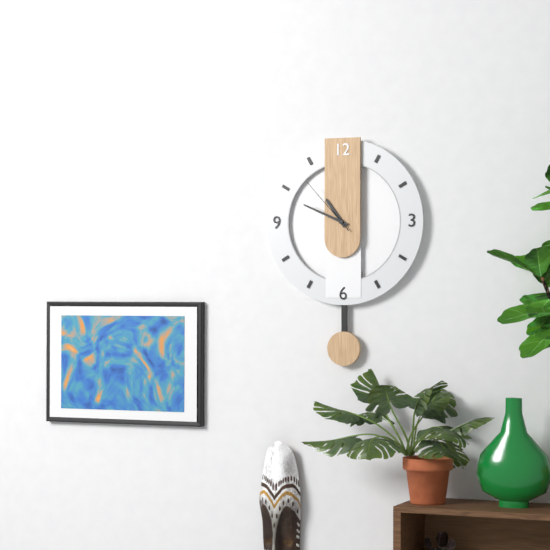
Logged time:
h=10 m=49 s=53
